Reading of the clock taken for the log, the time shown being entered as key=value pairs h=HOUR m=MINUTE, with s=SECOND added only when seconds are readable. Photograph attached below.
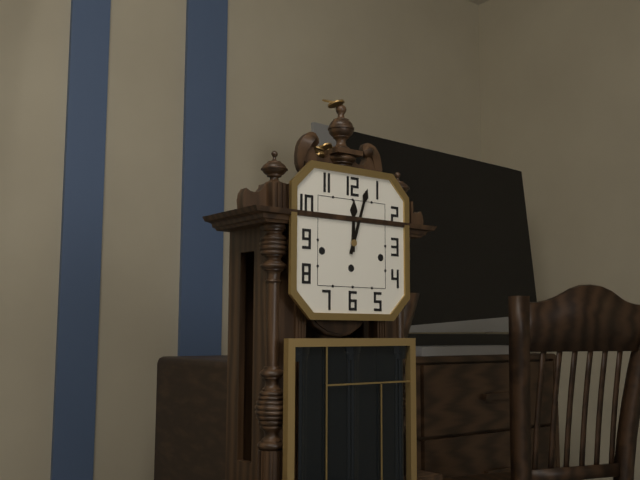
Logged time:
h=12 m=3
